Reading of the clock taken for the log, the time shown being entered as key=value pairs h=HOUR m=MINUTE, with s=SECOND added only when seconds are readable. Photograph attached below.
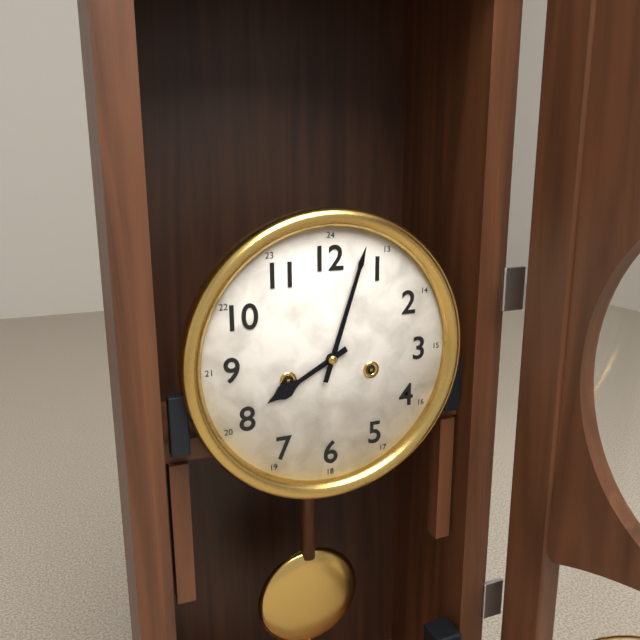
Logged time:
h=8 m=3
